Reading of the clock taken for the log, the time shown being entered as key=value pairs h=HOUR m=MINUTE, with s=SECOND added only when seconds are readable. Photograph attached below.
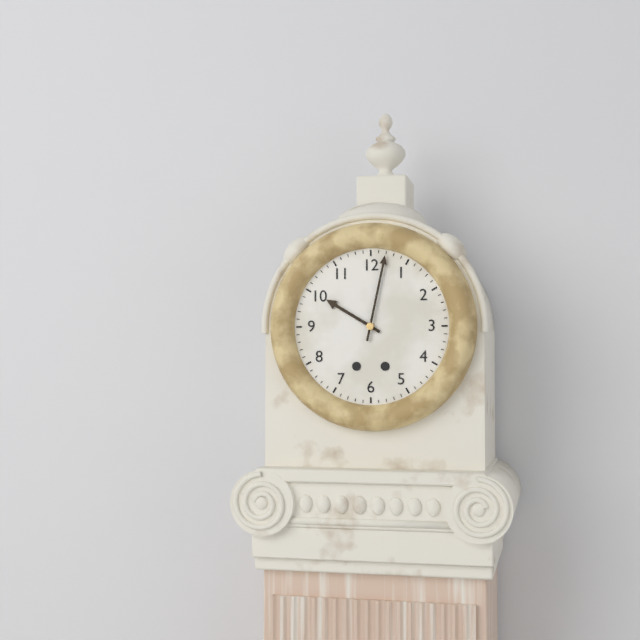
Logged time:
h=10 m=2
